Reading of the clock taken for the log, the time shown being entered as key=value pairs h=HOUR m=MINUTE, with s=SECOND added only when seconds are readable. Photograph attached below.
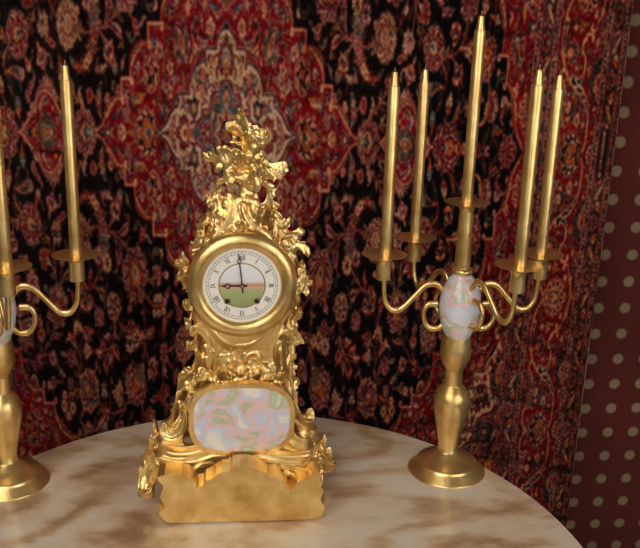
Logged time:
h=8 m=59
